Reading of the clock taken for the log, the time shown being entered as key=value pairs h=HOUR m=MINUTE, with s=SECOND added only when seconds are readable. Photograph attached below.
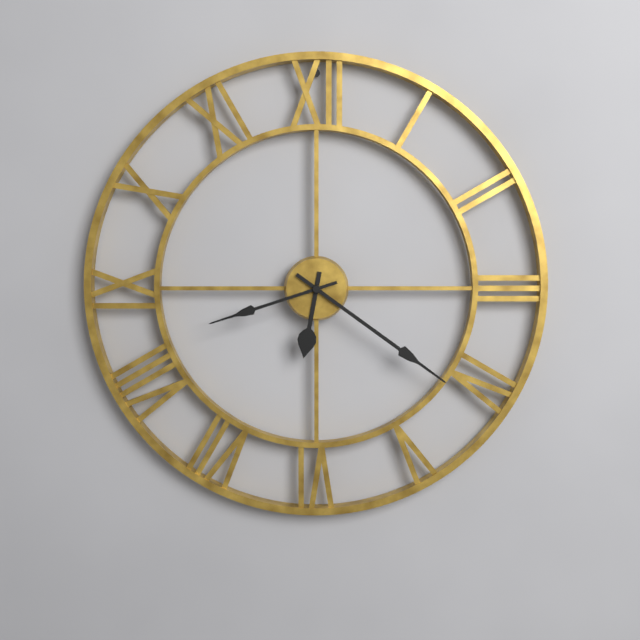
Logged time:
h=6 m=21 s=42
